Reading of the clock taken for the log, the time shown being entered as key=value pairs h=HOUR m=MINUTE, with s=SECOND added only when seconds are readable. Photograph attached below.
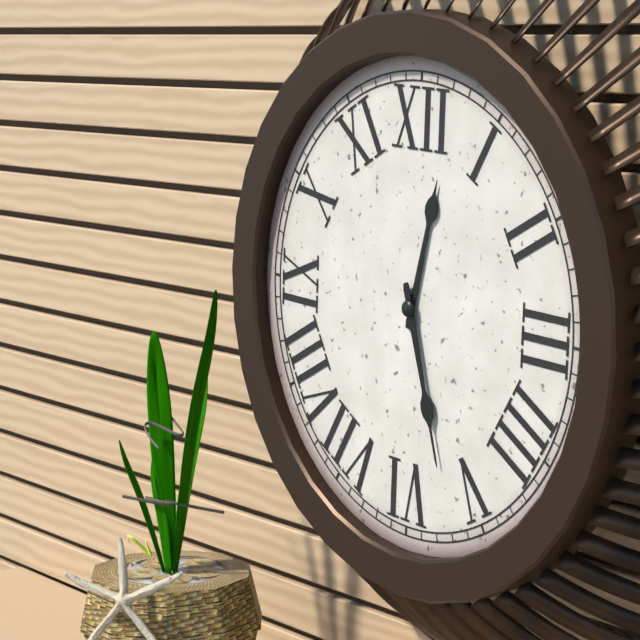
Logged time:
h=12 m=27
